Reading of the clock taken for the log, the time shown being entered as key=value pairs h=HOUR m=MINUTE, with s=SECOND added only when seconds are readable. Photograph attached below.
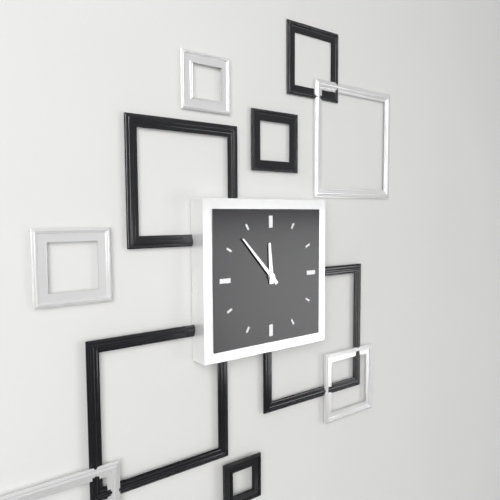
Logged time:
h=11 m=53
